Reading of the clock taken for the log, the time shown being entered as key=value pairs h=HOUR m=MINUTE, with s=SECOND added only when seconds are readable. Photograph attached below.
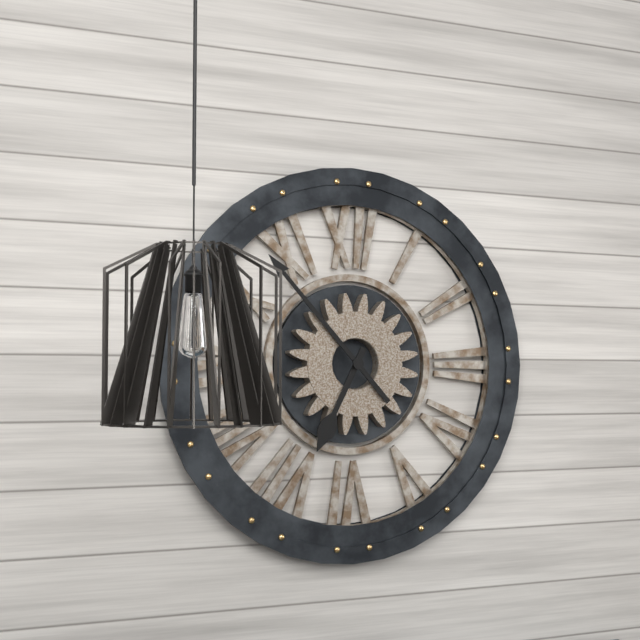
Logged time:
h=6 m=53
